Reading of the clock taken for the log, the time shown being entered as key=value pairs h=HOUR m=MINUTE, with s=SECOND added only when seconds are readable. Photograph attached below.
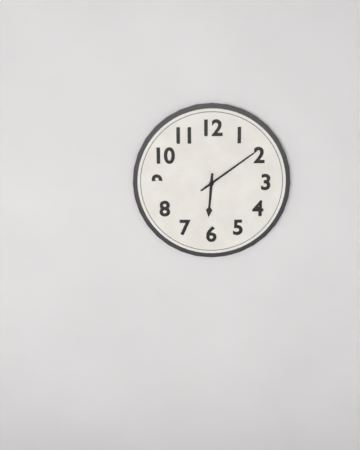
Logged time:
h=6 m=9
